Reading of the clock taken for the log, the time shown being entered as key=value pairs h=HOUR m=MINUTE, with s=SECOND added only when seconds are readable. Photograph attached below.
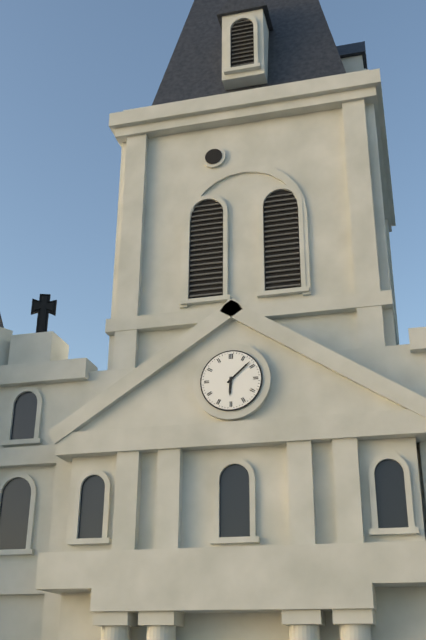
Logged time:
h=6 m=8
